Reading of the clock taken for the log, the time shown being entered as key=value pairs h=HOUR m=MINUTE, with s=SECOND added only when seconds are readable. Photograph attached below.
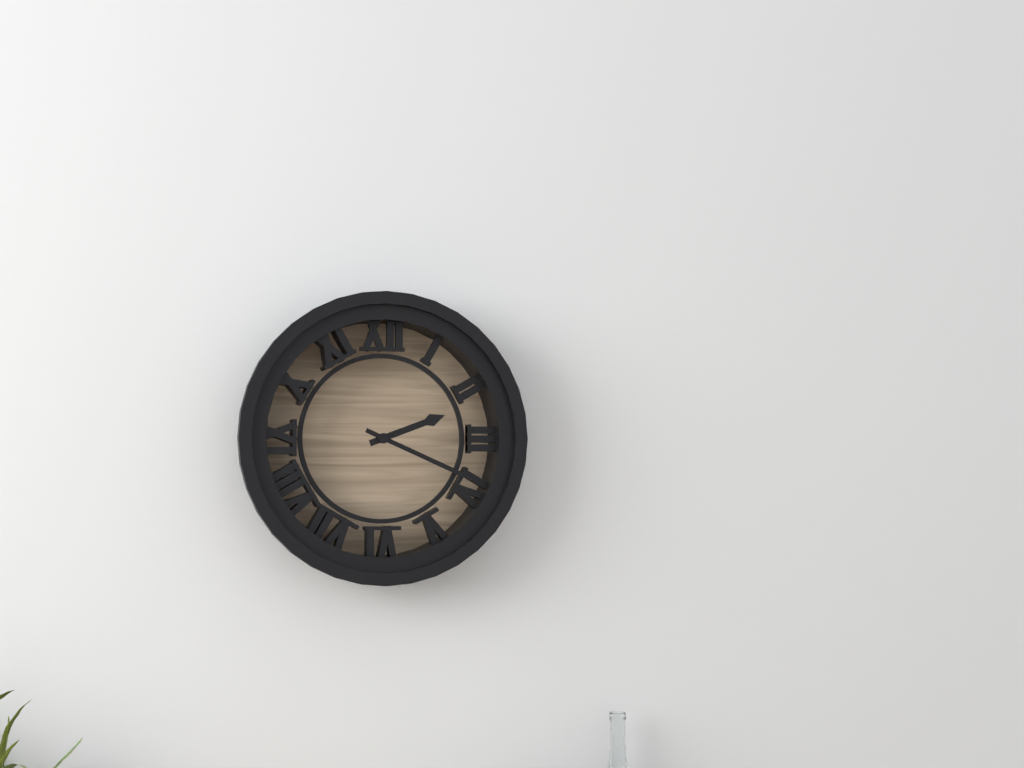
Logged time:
h=2 m=19
